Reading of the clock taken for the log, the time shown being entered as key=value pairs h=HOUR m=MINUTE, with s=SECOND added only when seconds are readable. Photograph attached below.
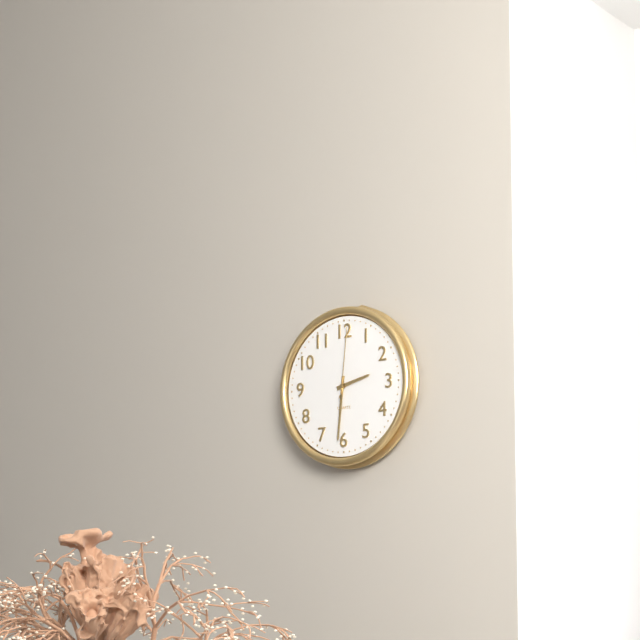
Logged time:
h=2 m=31 s=1
